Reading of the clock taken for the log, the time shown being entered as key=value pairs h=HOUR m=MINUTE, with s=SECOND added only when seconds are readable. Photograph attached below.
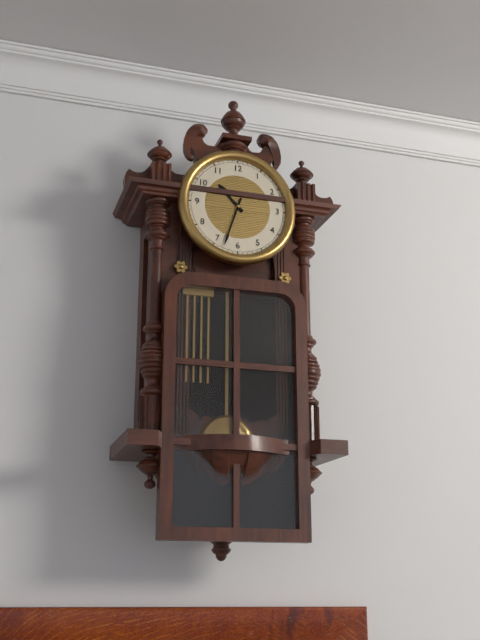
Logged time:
h=10 m=33
